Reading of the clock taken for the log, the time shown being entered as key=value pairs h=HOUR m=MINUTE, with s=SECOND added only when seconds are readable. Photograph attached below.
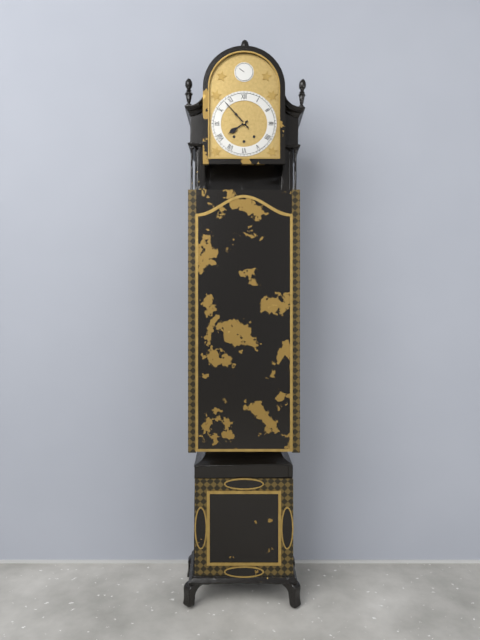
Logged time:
h=7 m=53
